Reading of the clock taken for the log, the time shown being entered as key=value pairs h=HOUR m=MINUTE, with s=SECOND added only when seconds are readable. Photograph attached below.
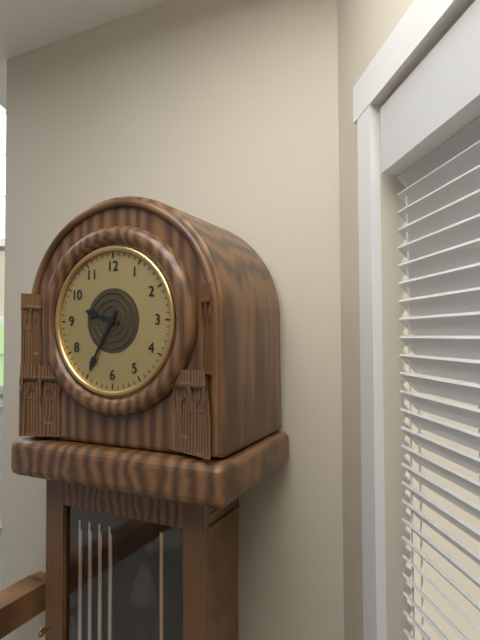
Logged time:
h=9 m=35
